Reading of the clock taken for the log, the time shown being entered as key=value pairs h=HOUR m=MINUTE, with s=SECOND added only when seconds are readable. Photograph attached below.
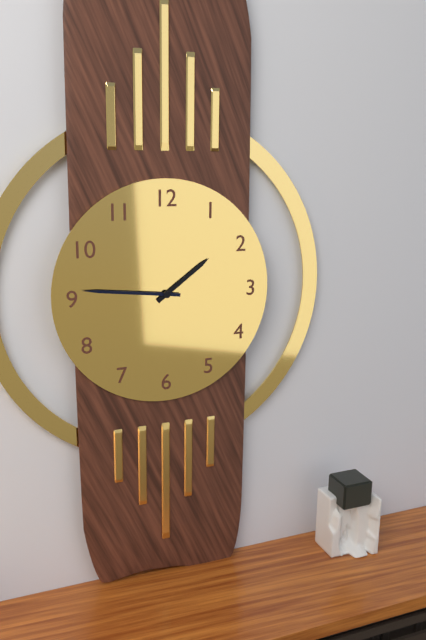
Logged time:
h=1 m=46
